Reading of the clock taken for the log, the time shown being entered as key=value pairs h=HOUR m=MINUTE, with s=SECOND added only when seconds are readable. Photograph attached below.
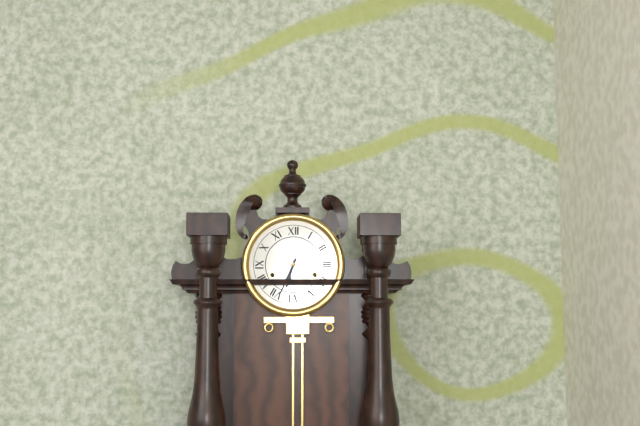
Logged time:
h=6 m=34
